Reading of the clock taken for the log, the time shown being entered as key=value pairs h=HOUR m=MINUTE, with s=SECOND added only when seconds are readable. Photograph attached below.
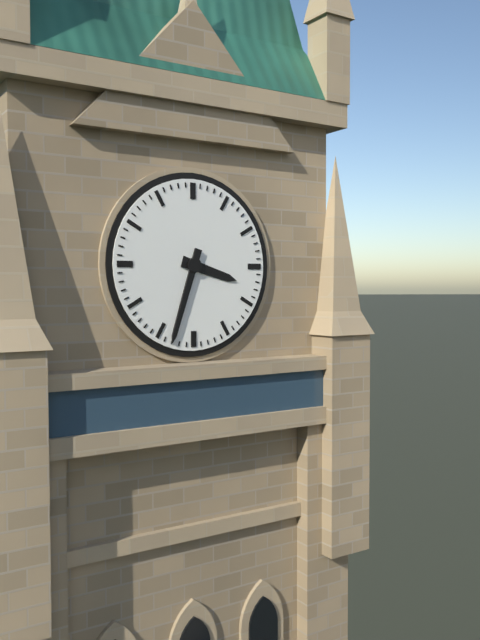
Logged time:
h=3 m=33
